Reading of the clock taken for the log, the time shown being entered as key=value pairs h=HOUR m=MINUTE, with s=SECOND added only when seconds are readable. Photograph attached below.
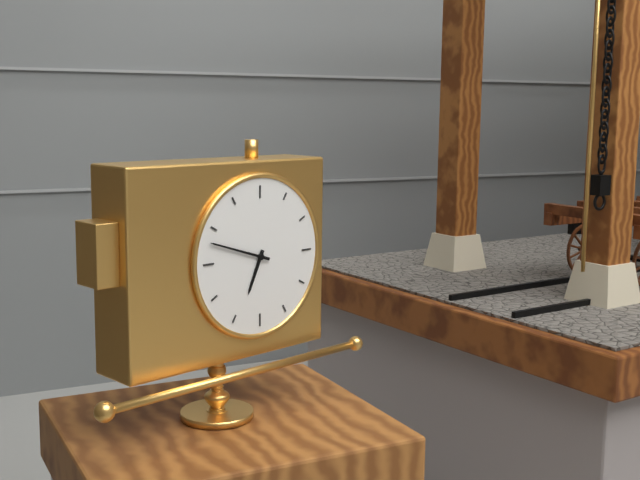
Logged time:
h=6 m=48
